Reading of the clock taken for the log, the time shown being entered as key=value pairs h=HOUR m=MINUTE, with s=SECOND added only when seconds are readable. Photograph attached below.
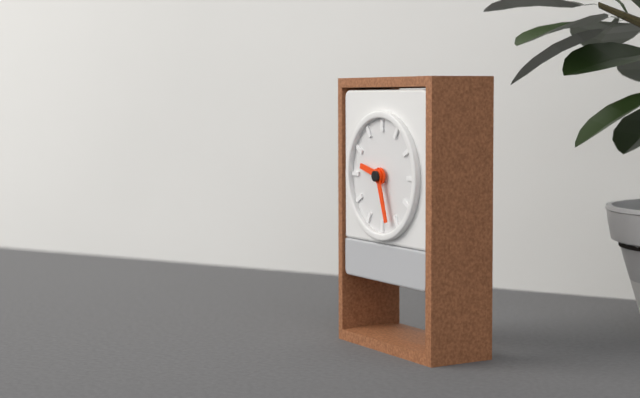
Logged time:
h=9 m=27
